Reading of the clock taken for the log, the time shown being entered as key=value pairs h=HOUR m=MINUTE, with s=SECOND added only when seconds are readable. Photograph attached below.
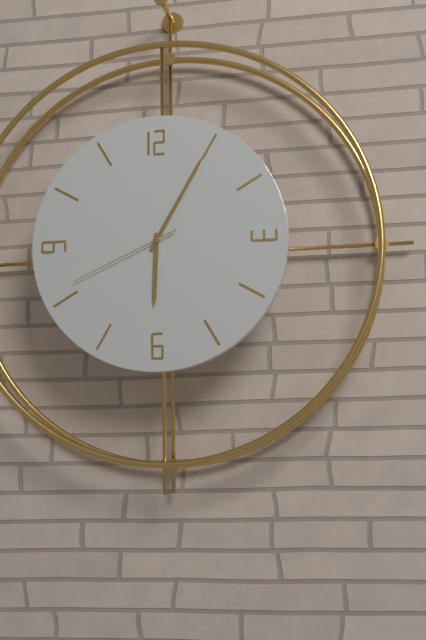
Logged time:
h=6 m=5 s=41
